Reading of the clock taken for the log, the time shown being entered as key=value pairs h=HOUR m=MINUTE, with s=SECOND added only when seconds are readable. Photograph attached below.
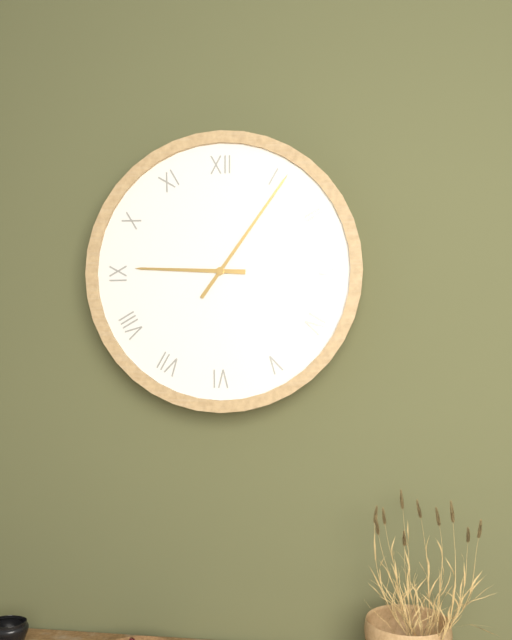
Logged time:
h=9 m=6
